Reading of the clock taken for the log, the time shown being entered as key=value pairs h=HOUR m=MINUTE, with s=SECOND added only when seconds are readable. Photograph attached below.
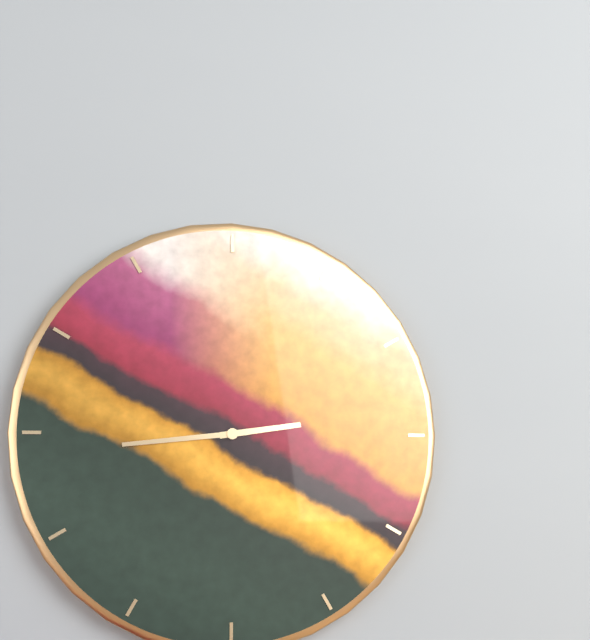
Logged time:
h=2 m=44
